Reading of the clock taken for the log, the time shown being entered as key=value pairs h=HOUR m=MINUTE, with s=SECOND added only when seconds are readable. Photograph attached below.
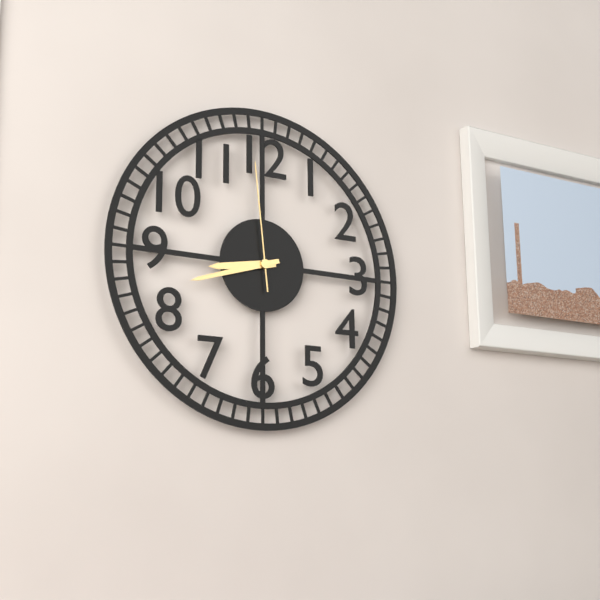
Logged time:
h=8 m=42 s=59
